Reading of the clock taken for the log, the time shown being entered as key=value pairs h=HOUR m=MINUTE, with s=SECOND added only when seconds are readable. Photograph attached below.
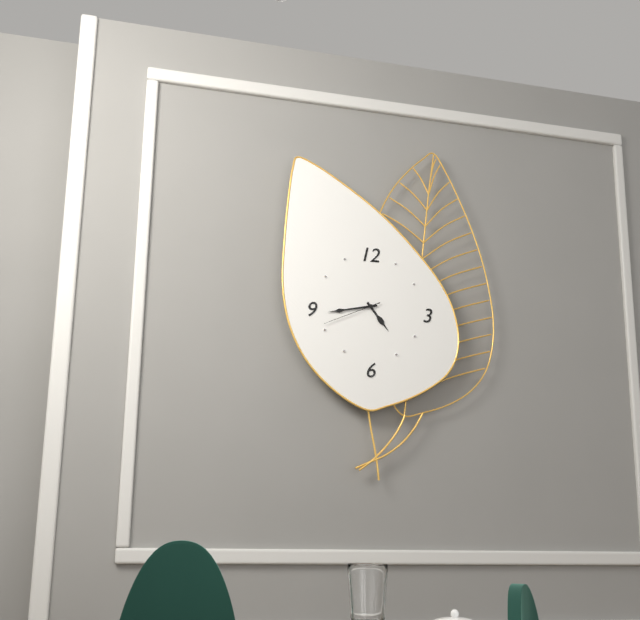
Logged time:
h=4 m=43 s=41
